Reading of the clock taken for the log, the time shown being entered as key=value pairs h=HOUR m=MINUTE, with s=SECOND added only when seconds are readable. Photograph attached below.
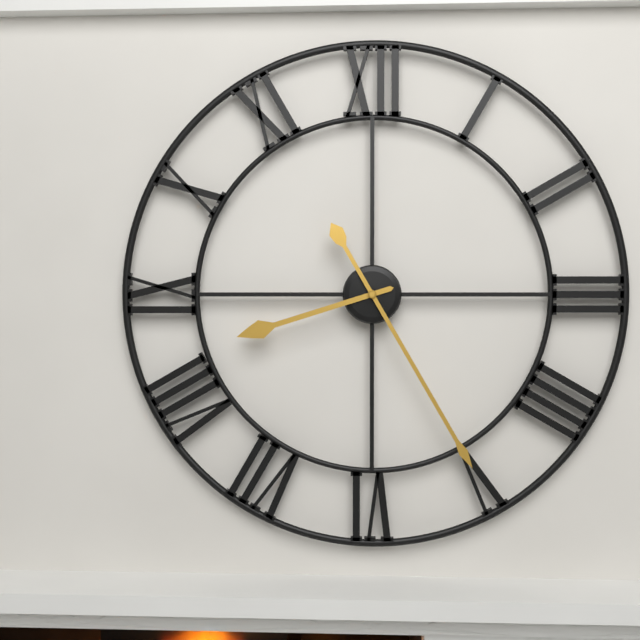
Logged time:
h=8 m=25
